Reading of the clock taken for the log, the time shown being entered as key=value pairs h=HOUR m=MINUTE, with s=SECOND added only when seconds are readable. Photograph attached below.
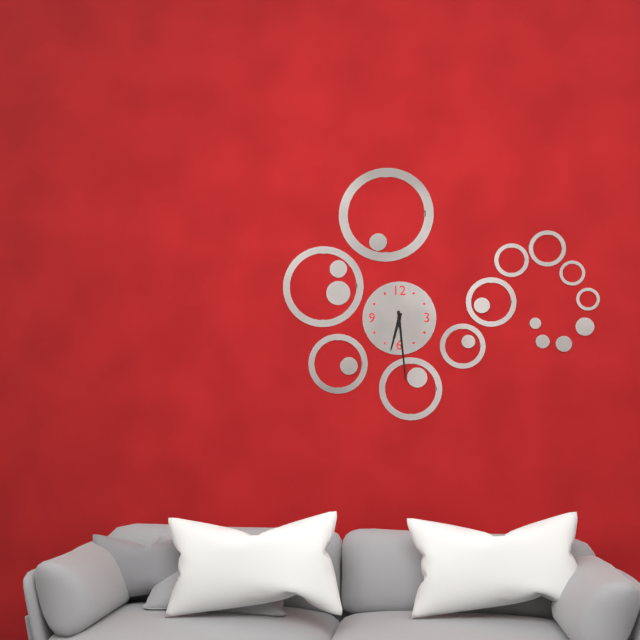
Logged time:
h=6 m=29
